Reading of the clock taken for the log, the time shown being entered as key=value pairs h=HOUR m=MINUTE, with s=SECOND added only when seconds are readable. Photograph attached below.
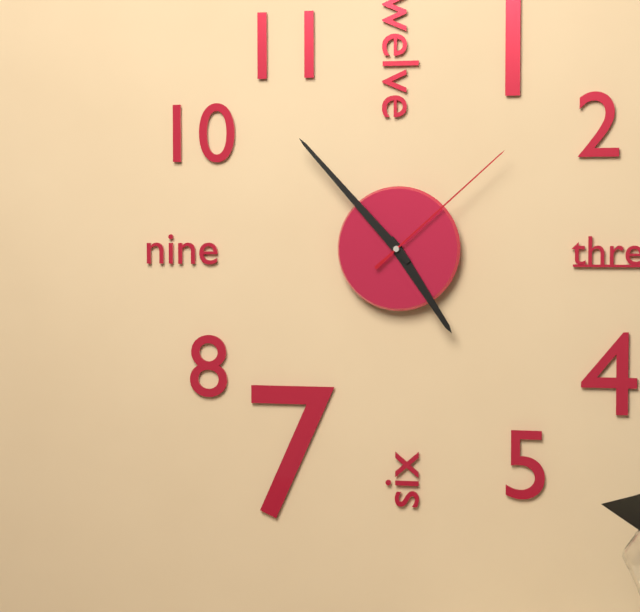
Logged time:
h=4 m=53 s=8
